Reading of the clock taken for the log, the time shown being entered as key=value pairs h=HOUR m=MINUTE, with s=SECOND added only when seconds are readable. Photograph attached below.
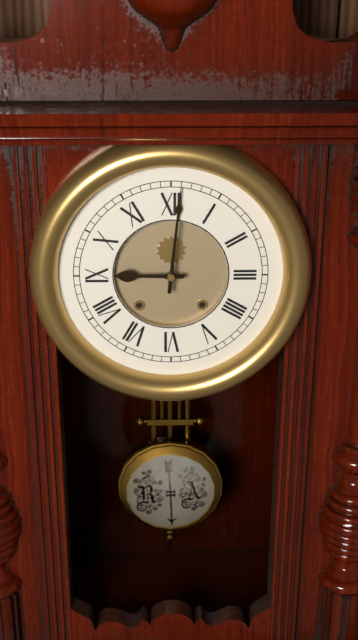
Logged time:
h=9 m=1
